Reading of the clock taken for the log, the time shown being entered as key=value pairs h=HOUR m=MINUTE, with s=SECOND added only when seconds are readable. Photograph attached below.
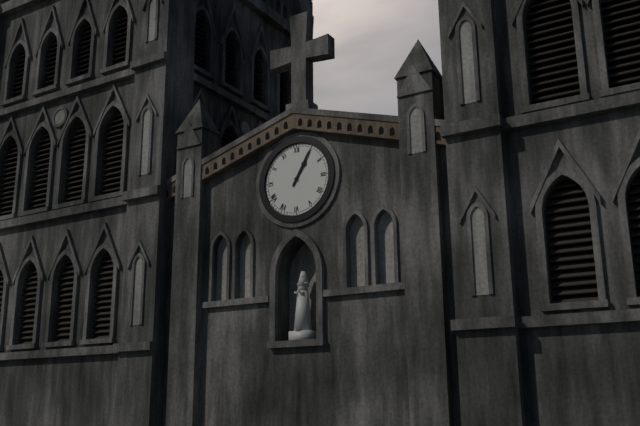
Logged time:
h=1 m=5
